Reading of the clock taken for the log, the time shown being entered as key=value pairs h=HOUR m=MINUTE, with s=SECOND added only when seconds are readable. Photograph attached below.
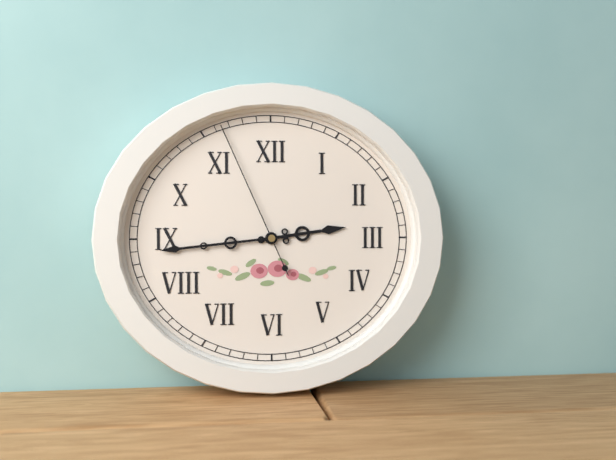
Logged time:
h=2 m=44 s=56
